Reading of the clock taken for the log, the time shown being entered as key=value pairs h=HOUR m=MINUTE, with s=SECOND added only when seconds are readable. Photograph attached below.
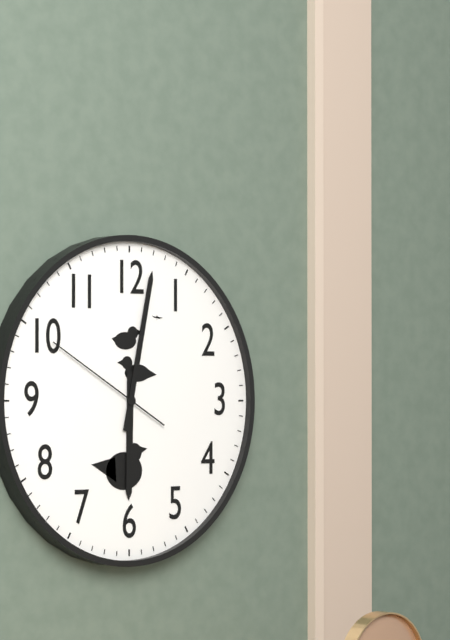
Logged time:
h=6 m=2 s=50
